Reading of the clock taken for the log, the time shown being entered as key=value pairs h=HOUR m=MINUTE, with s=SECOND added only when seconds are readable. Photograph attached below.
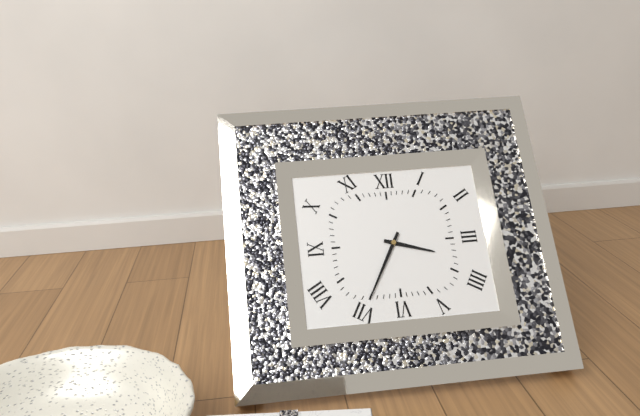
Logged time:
h=3 m=35
